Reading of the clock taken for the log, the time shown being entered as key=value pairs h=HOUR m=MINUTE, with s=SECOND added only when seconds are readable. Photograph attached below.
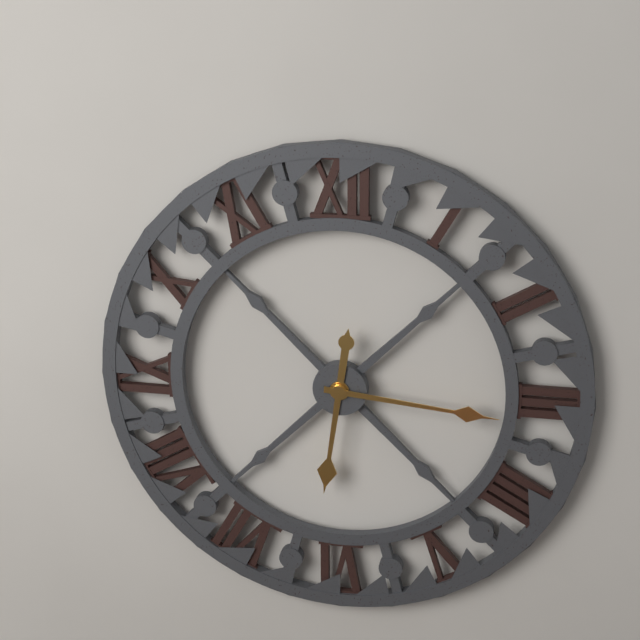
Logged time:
h=6 m=16
